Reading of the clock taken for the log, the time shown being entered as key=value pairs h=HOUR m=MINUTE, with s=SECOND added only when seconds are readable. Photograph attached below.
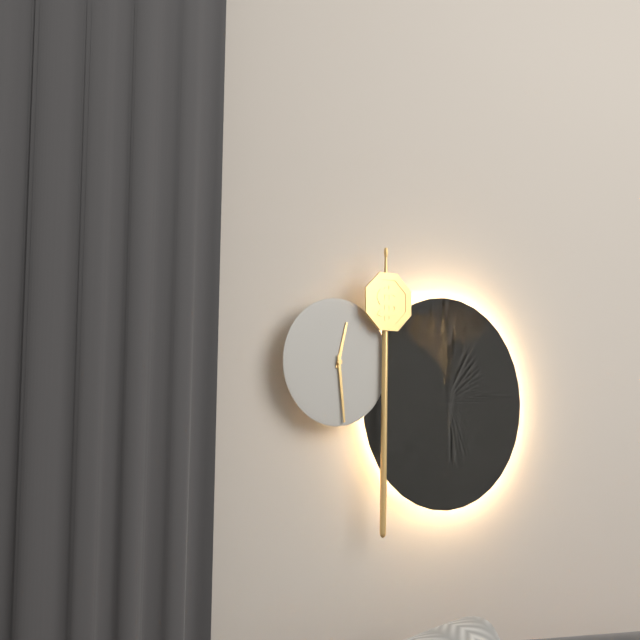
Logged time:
h=12 m=29
